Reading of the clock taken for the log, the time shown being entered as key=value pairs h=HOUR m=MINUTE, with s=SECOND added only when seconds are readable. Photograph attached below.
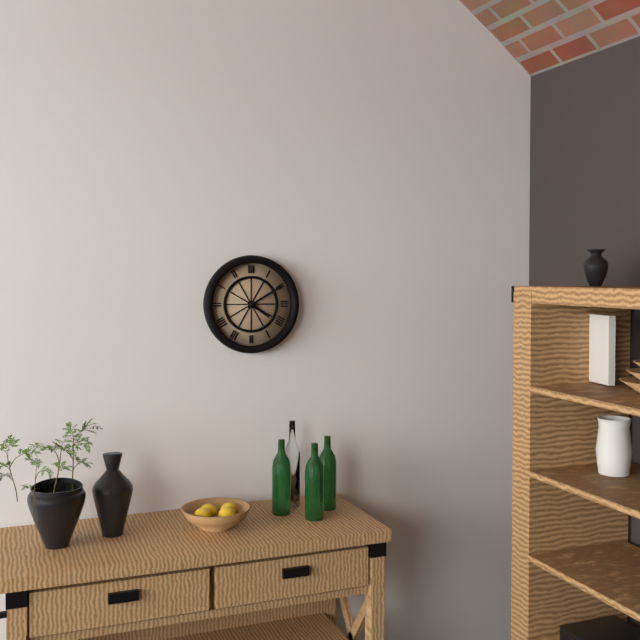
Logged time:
h=4 m=10
